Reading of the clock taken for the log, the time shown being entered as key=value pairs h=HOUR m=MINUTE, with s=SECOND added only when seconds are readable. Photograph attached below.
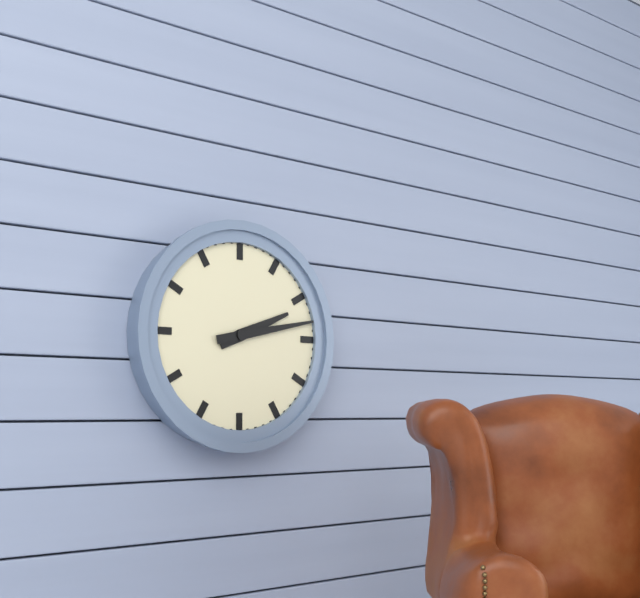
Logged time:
h=2 m=13
